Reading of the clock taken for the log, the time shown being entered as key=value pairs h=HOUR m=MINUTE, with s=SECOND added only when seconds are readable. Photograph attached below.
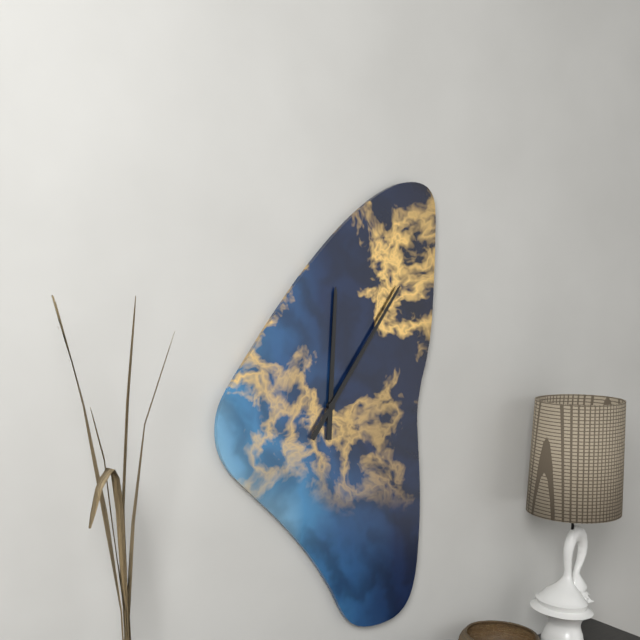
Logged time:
h=12 m=6
